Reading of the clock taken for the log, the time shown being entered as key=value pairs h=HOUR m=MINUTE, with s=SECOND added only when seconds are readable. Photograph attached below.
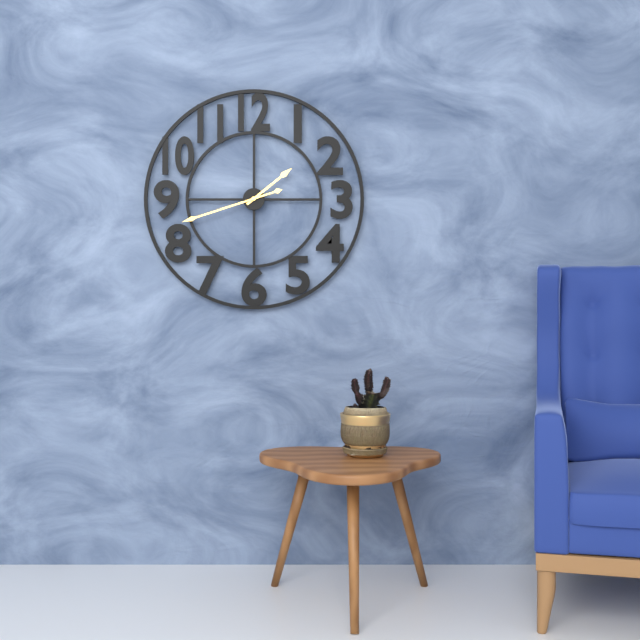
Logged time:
h=1 m=42
